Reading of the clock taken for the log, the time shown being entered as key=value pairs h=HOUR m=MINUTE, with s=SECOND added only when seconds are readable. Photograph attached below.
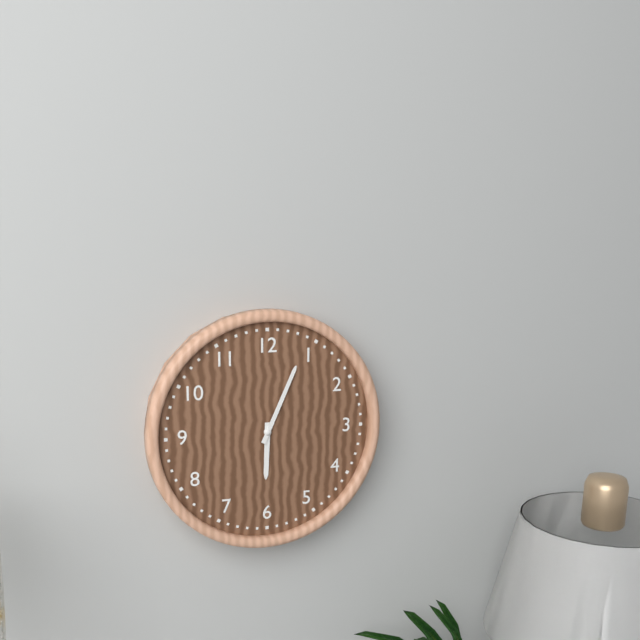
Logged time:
h=6 m=4
